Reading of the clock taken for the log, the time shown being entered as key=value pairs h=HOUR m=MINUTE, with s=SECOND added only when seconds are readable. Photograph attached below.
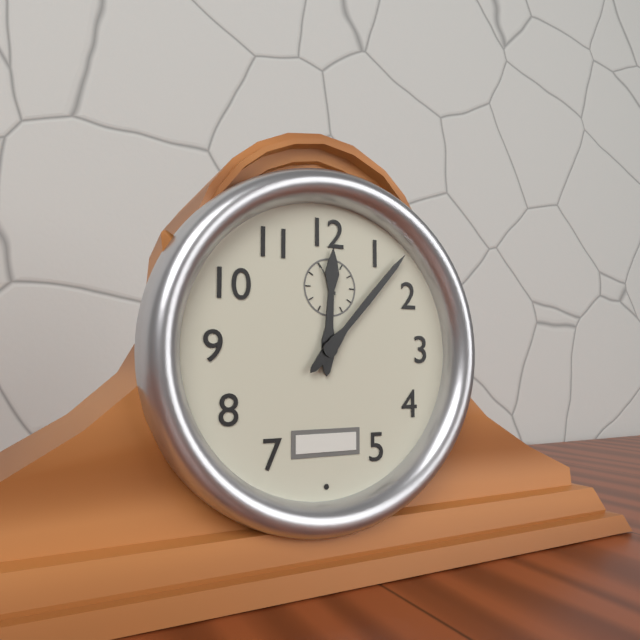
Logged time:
h=12 m=7
